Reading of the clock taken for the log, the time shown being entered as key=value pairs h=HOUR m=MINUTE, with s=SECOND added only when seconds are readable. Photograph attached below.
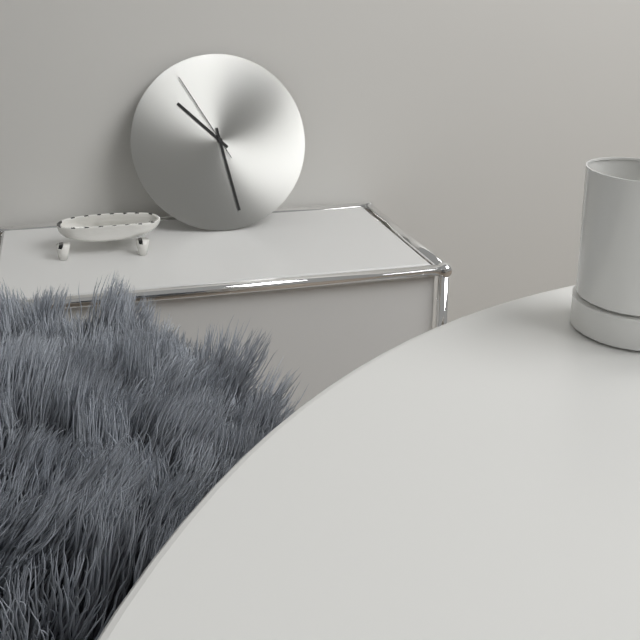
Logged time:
h=10 m=28 s=55
